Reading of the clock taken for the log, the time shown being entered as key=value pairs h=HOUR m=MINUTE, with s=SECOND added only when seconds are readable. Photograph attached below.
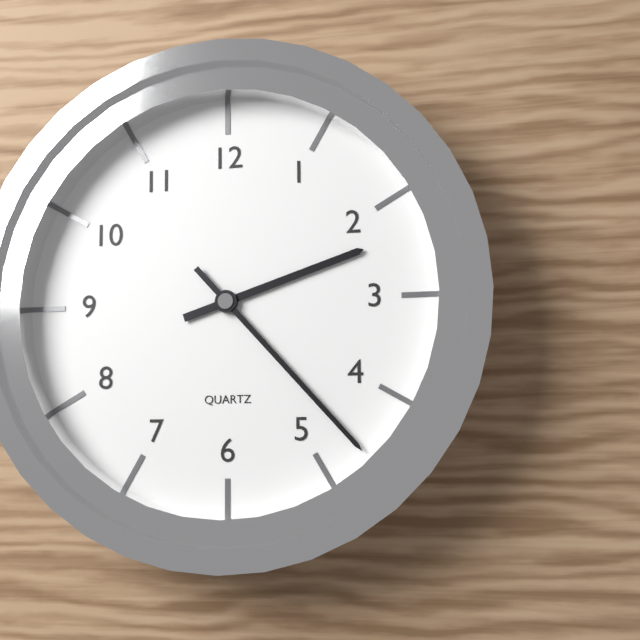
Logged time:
h=2 m=23
